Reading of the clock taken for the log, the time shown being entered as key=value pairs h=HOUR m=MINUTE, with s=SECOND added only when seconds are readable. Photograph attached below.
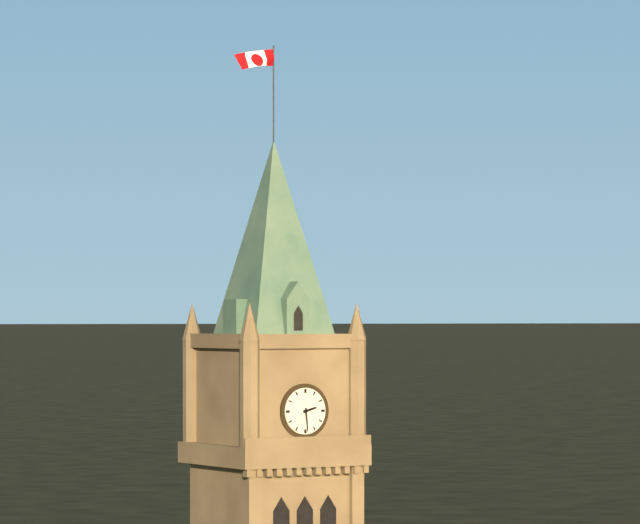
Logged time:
h=2 m=29
